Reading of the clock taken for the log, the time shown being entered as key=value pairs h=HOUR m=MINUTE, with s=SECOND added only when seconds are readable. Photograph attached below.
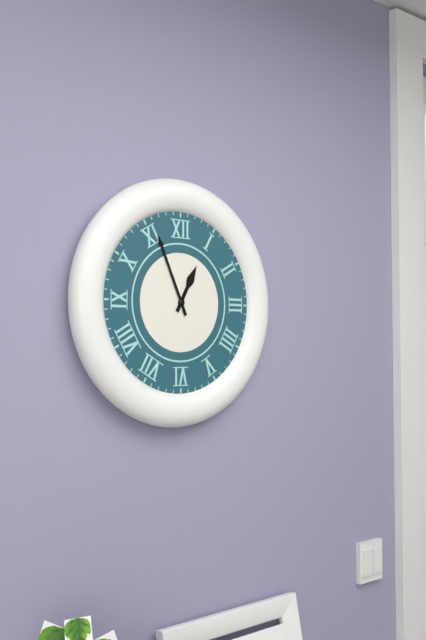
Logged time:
h=12 m=56
